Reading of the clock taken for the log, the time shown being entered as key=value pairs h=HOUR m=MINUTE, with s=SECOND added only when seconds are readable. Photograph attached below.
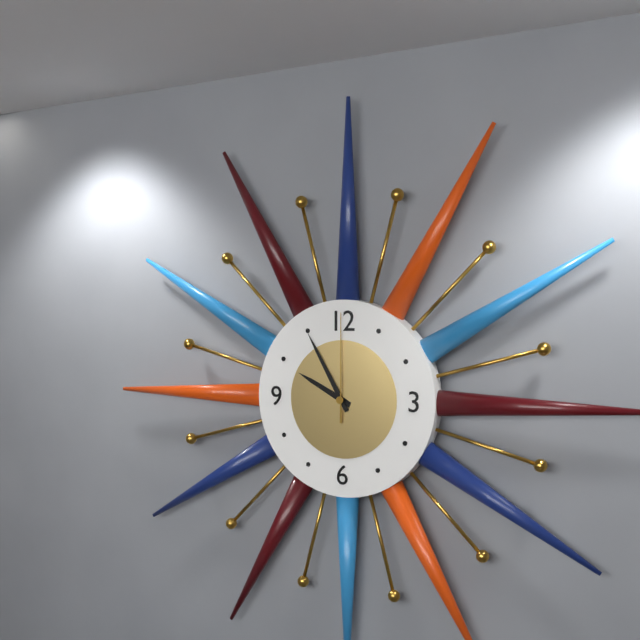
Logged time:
h=9 m=55 s=0
